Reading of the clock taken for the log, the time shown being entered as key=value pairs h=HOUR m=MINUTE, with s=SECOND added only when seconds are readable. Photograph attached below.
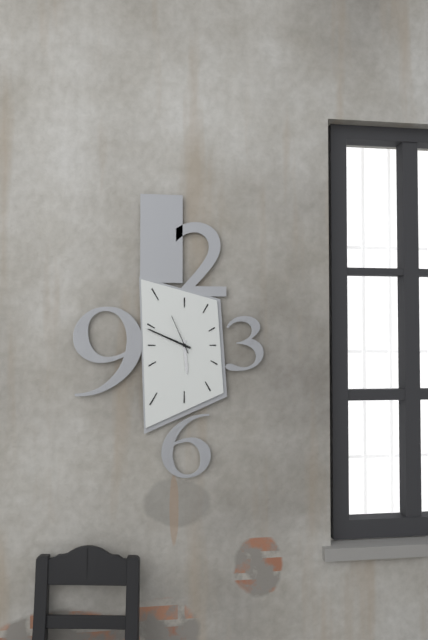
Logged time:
h=5 m=49
